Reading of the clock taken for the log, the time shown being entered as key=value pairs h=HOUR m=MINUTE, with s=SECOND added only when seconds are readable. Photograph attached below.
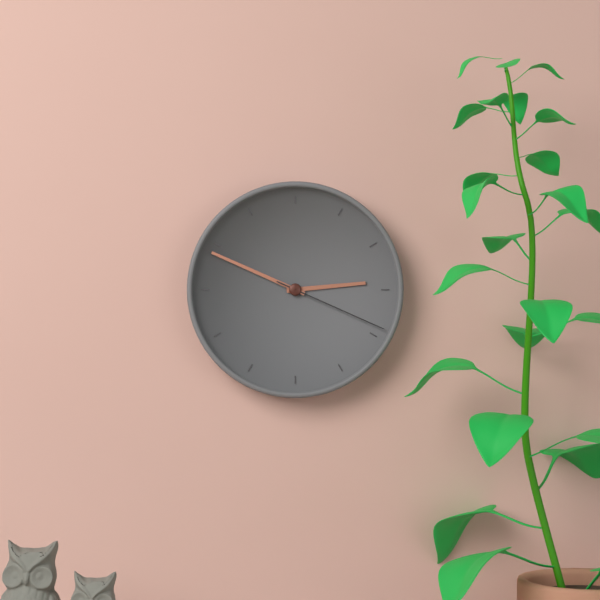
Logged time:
h=2 m=49 s=19
